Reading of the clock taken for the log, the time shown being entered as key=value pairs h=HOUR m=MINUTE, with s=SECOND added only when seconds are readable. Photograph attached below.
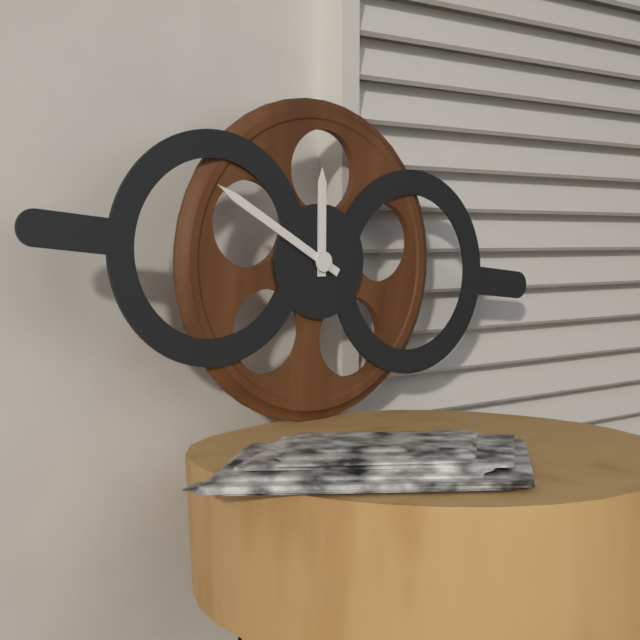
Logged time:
h=11 m=49
